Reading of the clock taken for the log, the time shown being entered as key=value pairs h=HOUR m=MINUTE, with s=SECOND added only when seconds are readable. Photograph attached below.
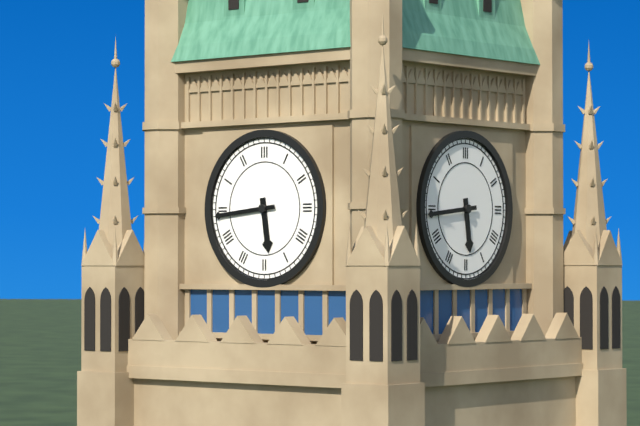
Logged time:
h=5 m=44
